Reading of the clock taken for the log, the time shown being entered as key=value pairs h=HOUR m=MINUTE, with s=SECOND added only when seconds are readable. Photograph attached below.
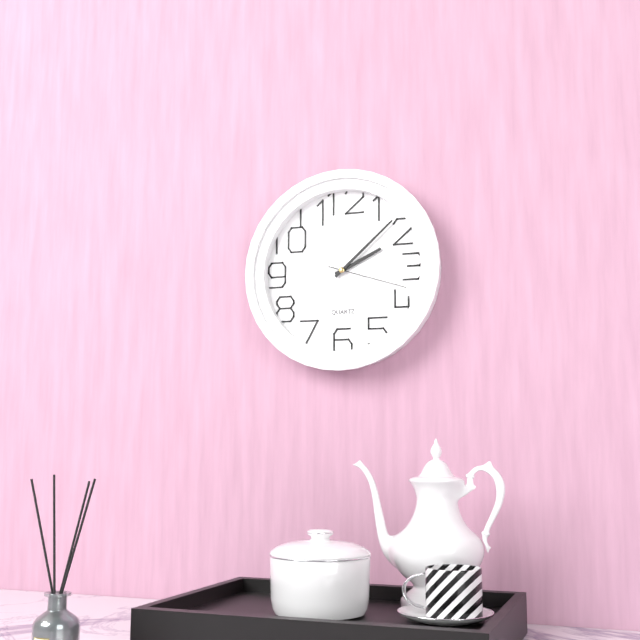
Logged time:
h=2 m=8 s=18
